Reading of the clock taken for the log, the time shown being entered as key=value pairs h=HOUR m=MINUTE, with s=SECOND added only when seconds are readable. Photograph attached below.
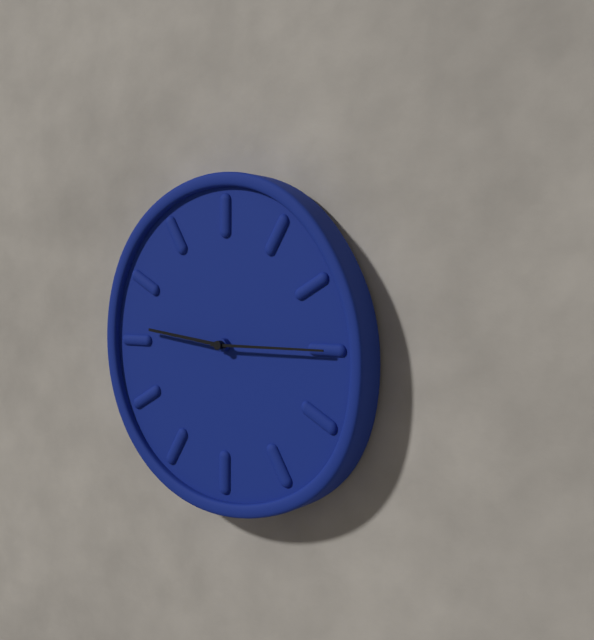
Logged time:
h=9 m=15
